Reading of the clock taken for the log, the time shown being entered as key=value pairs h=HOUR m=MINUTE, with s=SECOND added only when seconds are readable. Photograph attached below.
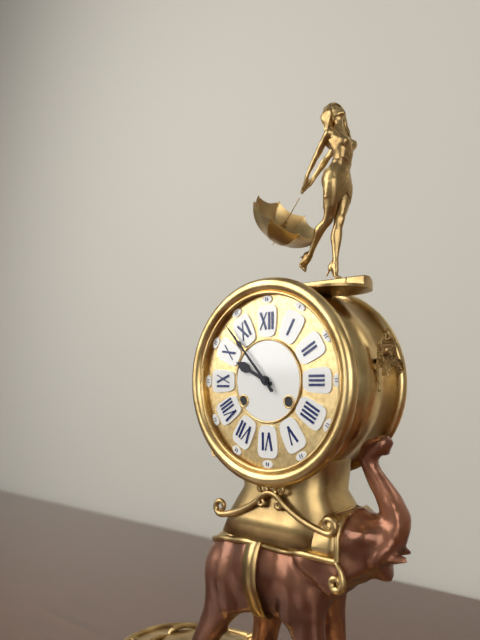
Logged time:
h=9 m=53
